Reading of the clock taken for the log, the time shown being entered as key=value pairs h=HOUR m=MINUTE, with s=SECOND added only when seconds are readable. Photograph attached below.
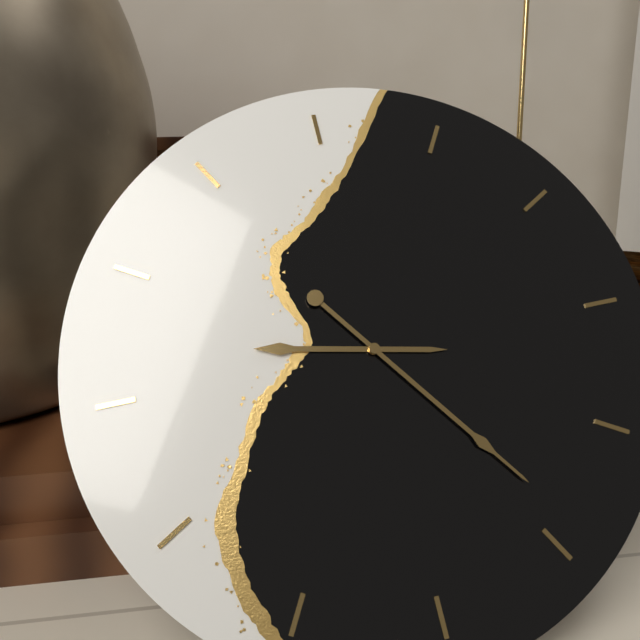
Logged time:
h=9 m=24
